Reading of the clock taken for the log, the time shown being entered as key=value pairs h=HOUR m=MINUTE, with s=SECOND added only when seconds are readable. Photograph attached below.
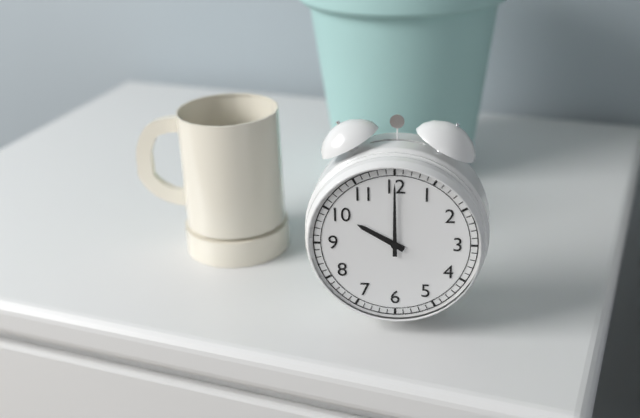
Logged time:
h=10 m=0
